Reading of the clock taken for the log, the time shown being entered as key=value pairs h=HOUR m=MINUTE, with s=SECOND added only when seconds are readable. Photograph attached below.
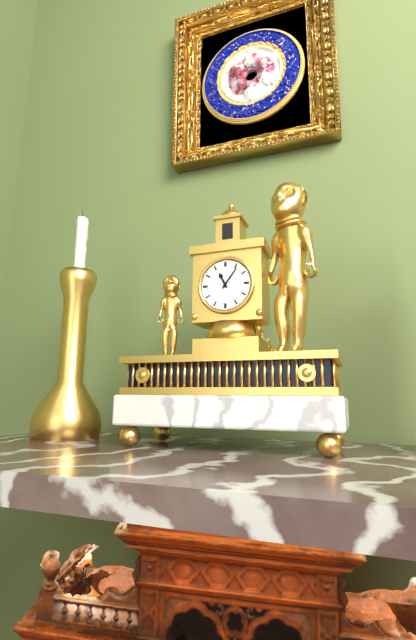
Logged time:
h=11 m=6
